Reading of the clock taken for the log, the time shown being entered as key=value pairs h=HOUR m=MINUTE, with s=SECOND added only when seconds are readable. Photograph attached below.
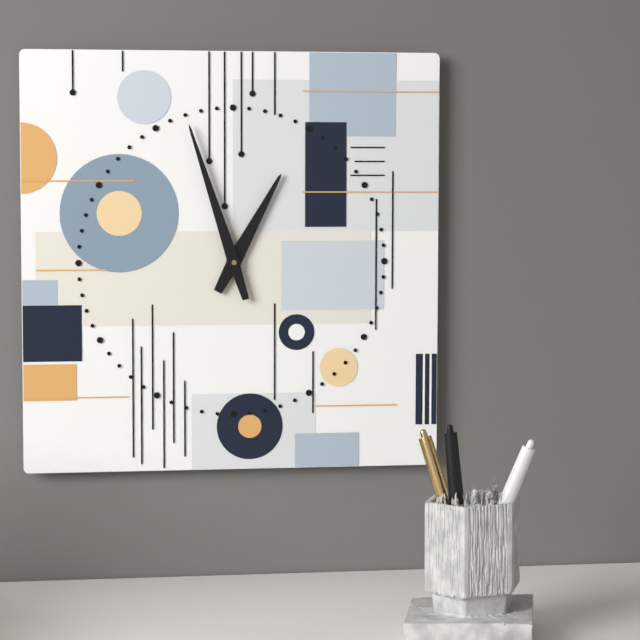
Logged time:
h=12 m=57
